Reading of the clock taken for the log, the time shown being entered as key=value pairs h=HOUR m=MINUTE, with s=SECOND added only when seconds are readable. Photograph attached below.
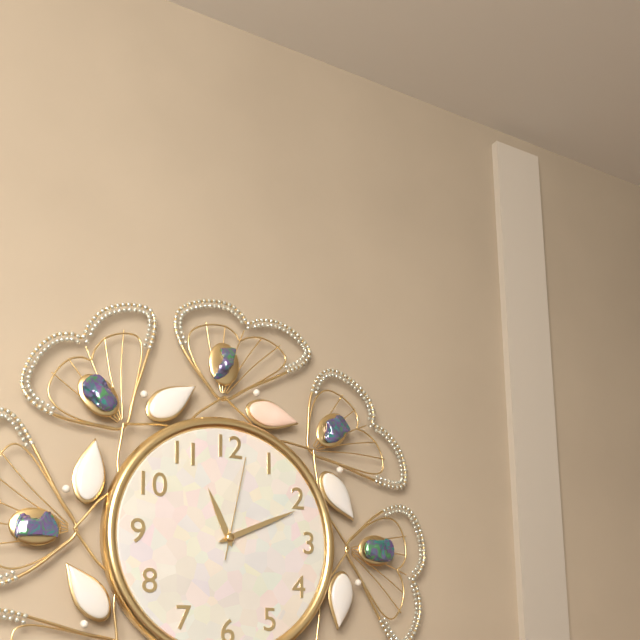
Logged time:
h=11 m=11 s=2
